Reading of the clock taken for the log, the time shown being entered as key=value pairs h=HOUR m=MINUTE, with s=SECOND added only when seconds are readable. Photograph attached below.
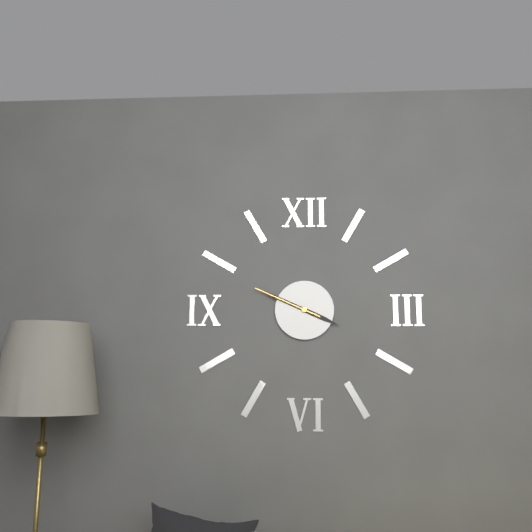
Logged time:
h=3 m=49 s=49
